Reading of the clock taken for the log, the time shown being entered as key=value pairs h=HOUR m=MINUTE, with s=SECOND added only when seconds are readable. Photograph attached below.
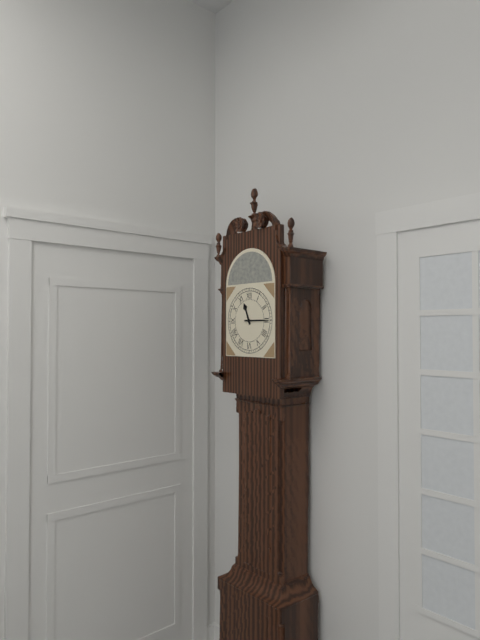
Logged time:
h=11 m=15
